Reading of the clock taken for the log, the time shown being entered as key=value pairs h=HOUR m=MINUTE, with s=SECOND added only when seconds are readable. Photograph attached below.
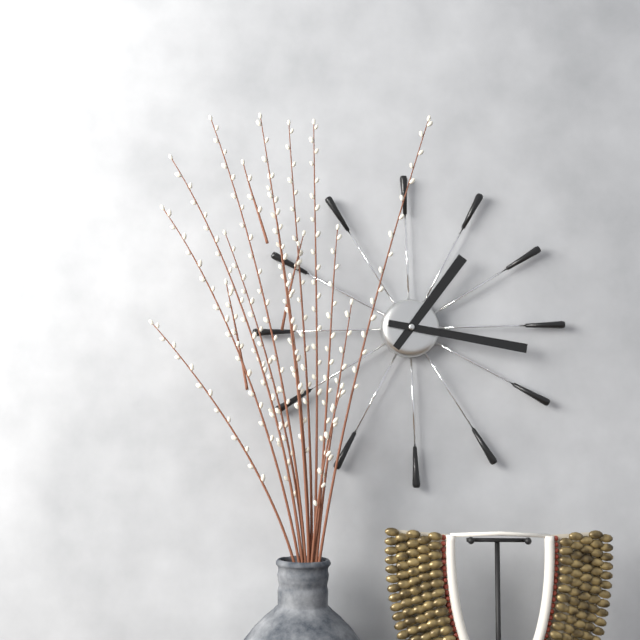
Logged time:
h=1 m=17
